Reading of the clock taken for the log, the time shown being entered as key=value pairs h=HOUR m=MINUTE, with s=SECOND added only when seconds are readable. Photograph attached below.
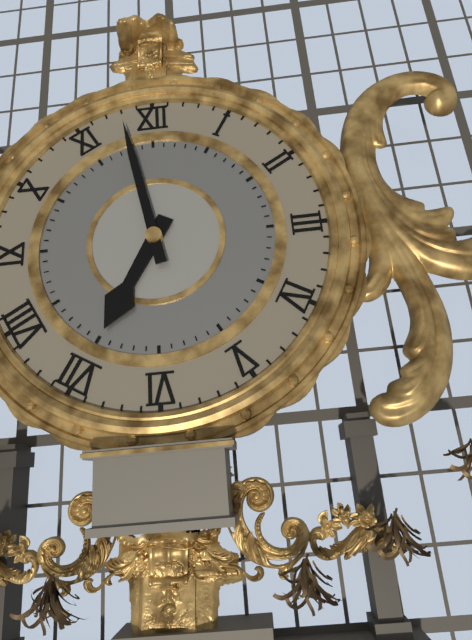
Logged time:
h=6 m=58
